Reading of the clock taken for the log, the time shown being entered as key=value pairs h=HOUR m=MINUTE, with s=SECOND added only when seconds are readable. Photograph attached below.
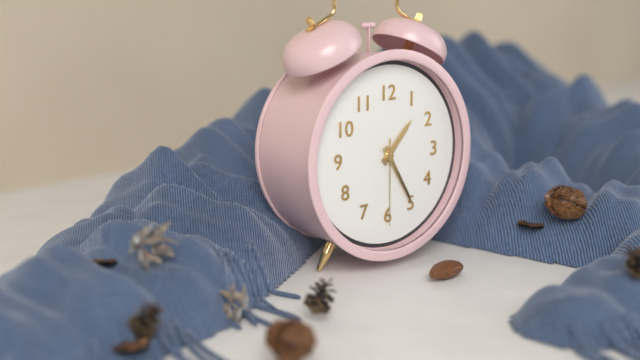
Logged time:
h=1 m=25 s=30
